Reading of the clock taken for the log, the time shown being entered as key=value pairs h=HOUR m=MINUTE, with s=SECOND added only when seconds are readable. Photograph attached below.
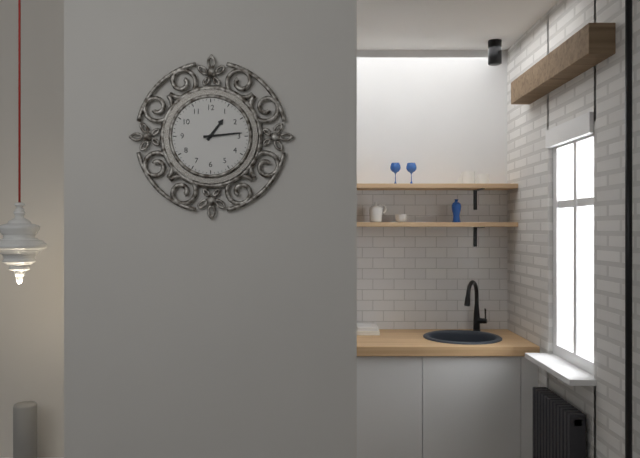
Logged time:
h=1 m=14
